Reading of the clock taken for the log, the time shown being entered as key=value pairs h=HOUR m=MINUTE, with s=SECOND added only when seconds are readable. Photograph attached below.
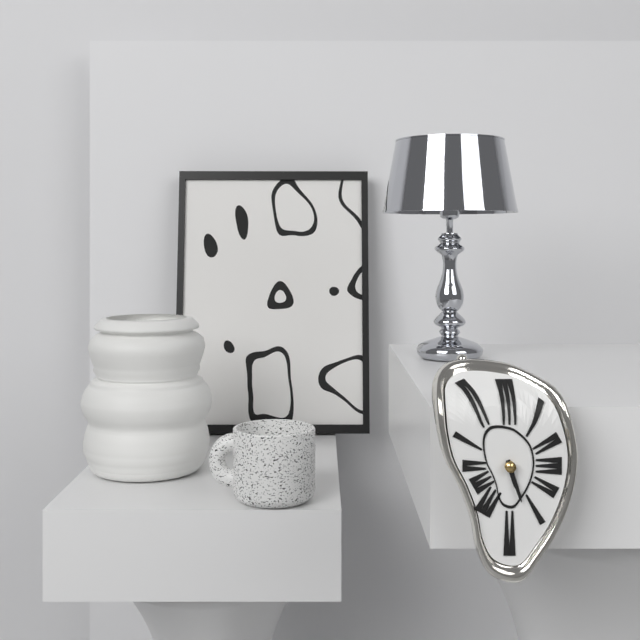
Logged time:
h=5 m=27
